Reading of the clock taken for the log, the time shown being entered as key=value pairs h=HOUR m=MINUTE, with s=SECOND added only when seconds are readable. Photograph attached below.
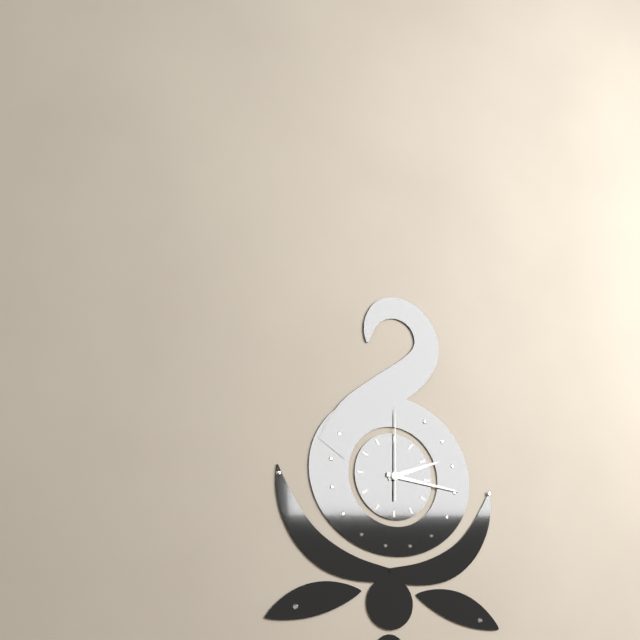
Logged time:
h=2 m=16 s=0
